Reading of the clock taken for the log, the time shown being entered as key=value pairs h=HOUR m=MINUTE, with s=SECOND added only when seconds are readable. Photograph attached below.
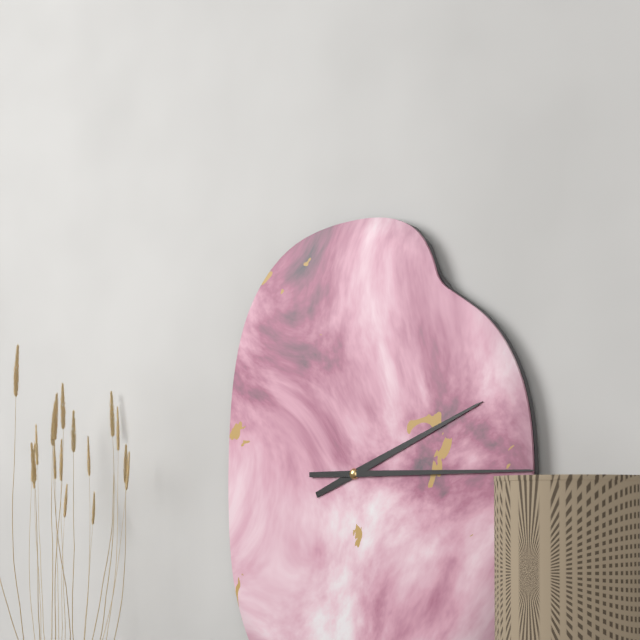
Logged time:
h=2 m=15
